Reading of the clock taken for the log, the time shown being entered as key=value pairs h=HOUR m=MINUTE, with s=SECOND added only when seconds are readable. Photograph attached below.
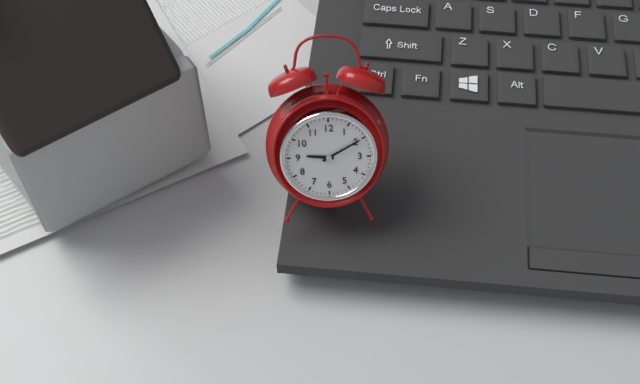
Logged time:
h=9 m=10
